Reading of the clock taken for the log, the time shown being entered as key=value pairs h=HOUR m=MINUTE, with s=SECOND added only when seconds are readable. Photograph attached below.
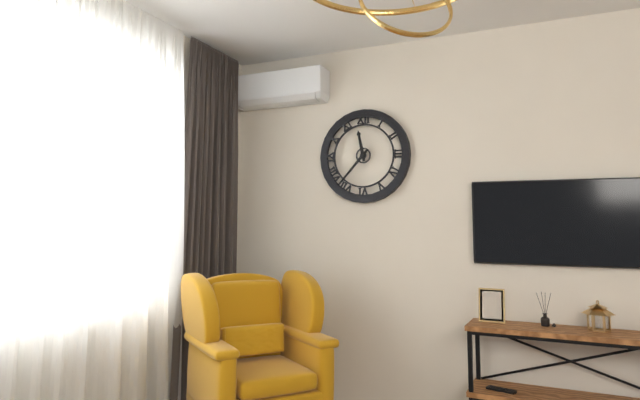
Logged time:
h=11 m=37
